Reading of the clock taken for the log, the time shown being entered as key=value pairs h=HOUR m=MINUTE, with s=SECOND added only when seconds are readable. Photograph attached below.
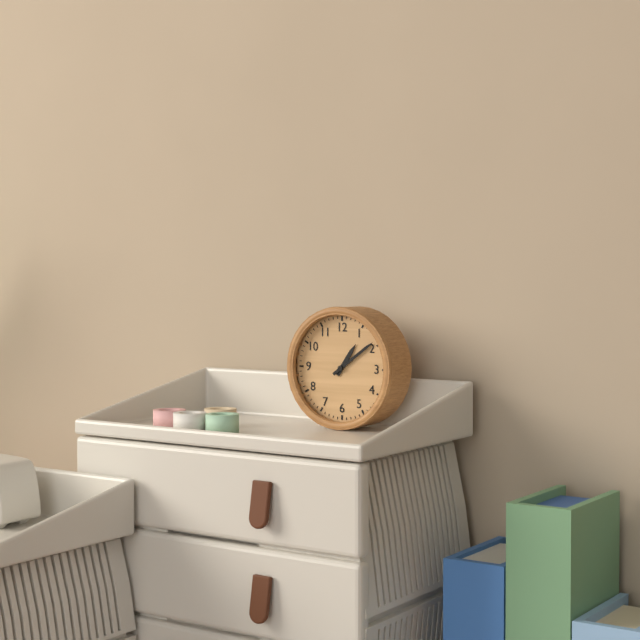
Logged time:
h=1 m=9
